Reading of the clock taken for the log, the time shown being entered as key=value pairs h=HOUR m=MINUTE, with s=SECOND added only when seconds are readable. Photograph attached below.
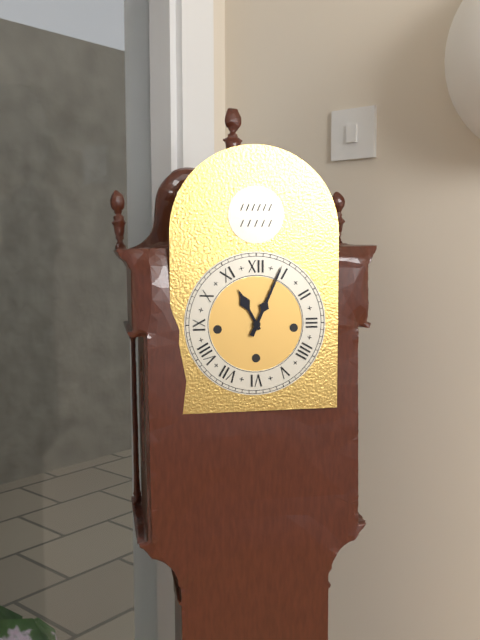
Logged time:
h=11 m=4
